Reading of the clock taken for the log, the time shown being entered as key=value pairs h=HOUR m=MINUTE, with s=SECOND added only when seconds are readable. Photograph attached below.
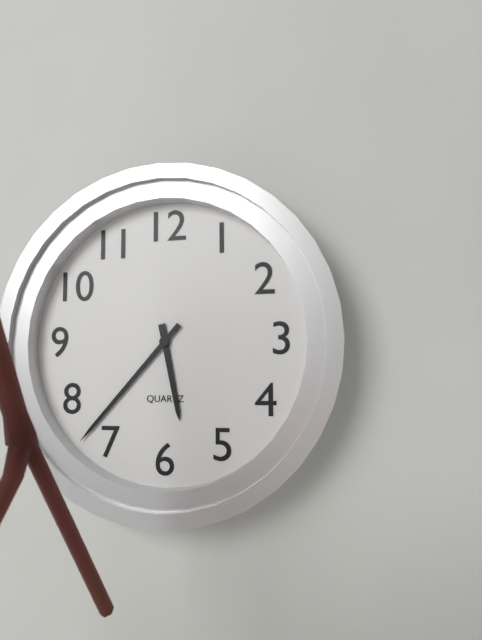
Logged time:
h=5 m=37
